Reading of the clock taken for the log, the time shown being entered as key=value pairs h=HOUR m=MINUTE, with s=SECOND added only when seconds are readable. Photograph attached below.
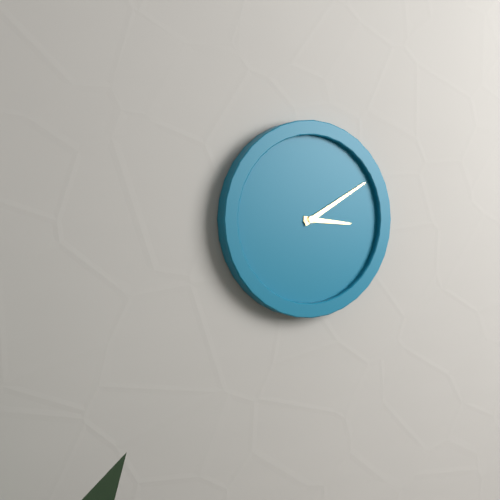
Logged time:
h=3 m=10
